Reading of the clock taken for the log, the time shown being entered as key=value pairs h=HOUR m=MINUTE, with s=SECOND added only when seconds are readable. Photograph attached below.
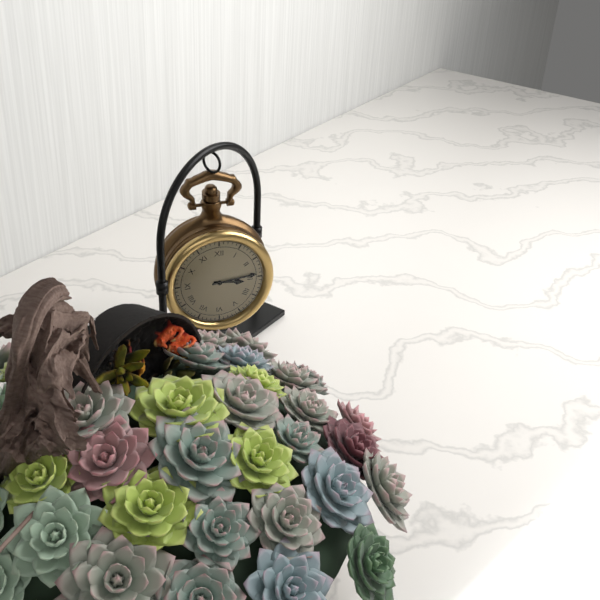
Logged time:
h=3 m=14
